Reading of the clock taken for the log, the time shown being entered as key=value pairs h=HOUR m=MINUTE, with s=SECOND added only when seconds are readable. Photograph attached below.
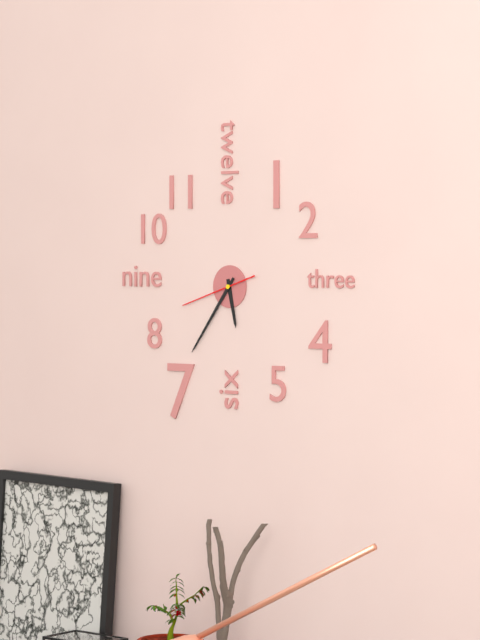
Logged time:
h=5 m=36 s=42
